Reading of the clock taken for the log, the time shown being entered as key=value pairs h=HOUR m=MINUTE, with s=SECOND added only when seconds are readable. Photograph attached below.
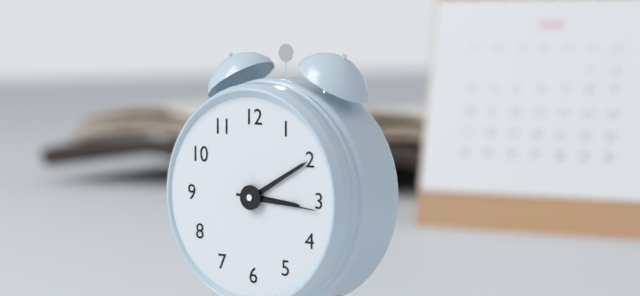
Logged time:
h=3 m=10 s=16
